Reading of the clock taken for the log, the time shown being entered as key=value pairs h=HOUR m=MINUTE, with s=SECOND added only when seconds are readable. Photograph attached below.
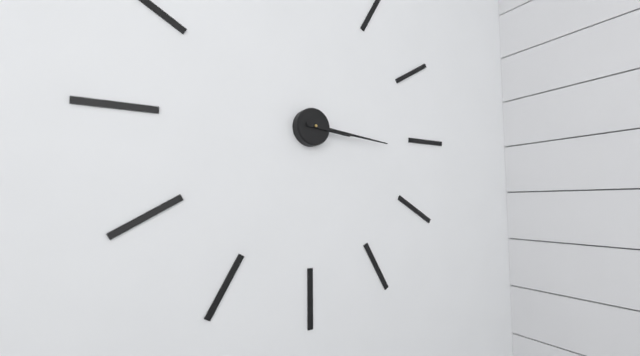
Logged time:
h=3 m=16
